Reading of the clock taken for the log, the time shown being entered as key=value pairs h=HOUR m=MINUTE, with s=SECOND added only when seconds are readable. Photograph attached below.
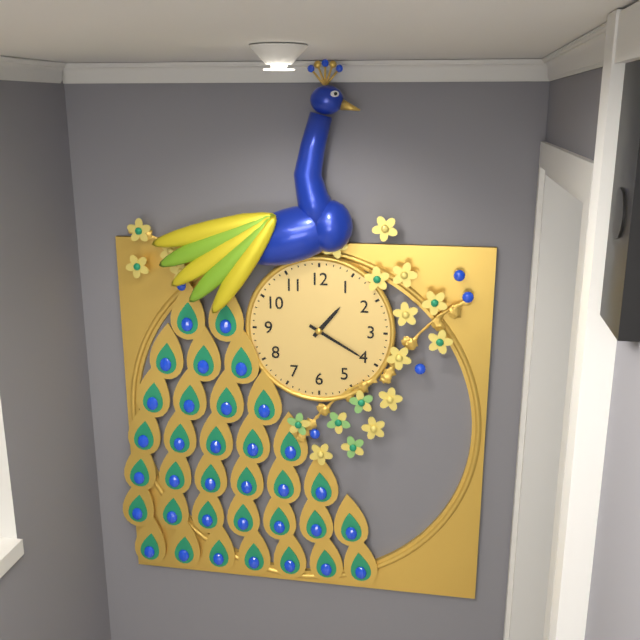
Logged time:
h=1 m=20
